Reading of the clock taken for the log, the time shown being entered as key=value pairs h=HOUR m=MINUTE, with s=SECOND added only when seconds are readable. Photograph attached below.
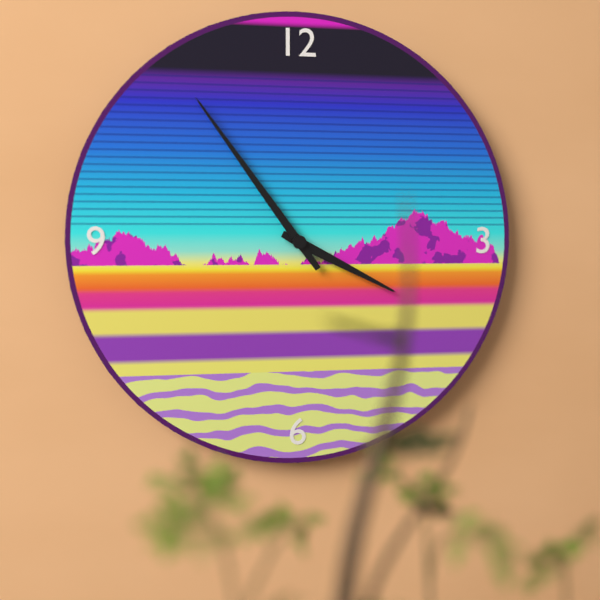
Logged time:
h=3 m=54
